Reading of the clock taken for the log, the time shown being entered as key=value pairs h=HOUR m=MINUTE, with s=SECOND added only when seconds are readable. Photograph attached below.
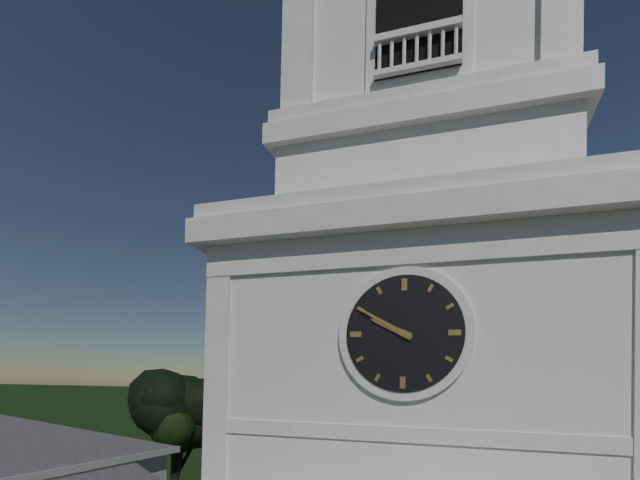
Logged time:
h=9 m=50
